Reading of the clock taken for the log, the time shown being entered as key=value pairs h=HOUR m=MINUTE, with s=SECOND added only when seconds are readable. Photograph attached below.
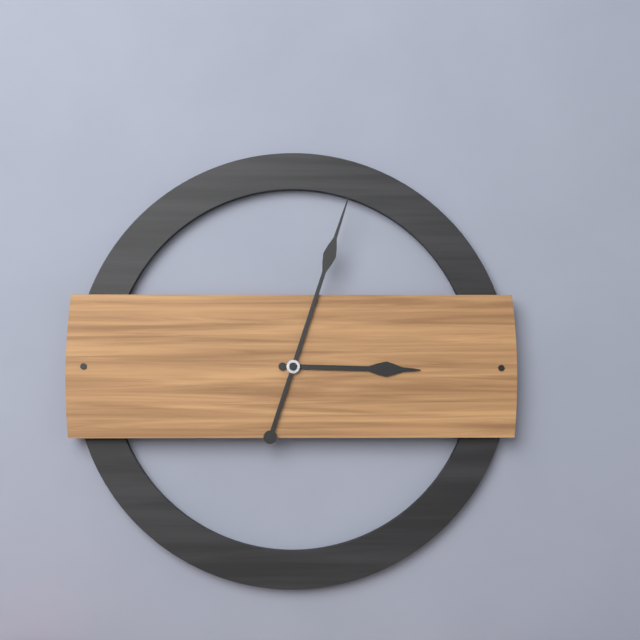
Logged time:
h=3 m=3
